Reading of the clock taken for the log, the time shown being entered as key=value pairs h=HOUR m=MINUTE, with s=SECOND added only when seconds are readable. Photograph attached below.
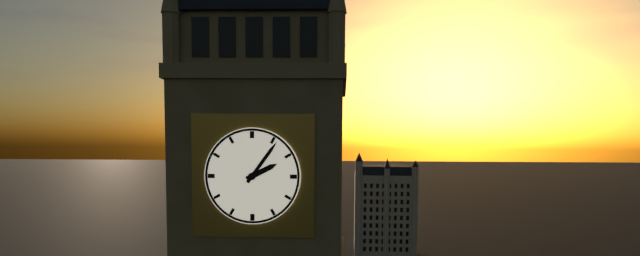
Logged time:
h=2 m=6
